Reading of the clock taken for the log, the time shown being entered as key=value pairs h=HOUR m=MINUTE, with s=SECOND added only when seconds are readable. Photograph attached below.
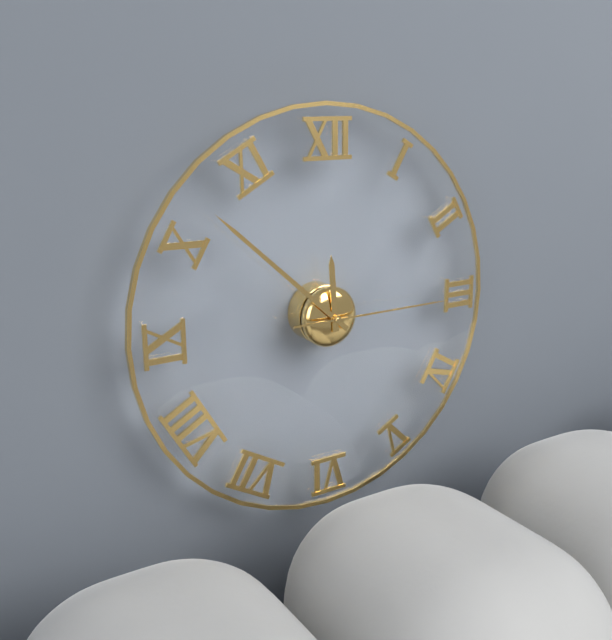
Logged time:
h=11 m=52 s=15
